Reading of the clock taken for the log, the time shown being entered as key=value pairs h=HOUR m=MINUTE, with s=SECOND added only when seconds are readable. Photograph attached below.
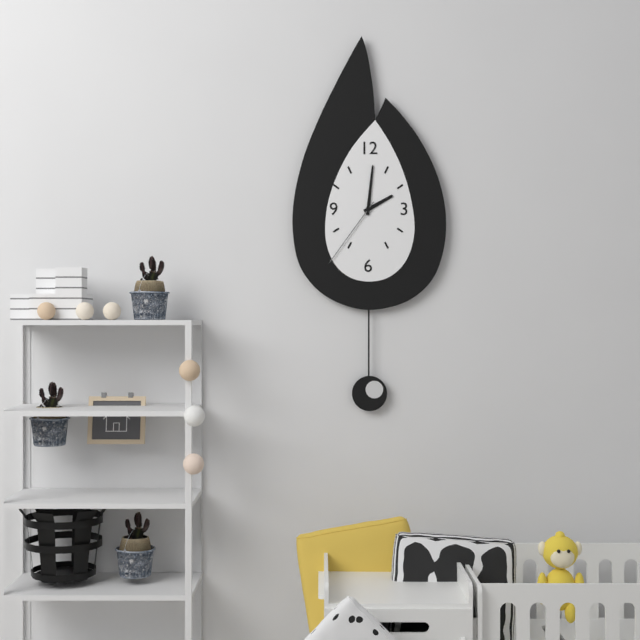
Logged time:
h=2 m=1 s=36
